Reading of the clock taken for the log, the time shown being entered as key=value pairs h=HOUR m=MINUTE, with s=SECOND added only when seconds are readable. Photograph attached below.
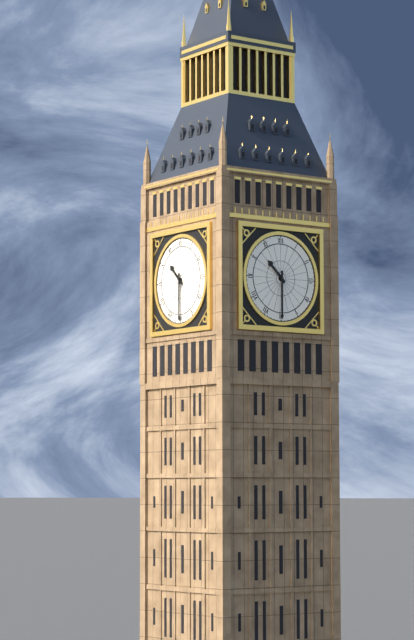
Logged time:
h=10 m=30
